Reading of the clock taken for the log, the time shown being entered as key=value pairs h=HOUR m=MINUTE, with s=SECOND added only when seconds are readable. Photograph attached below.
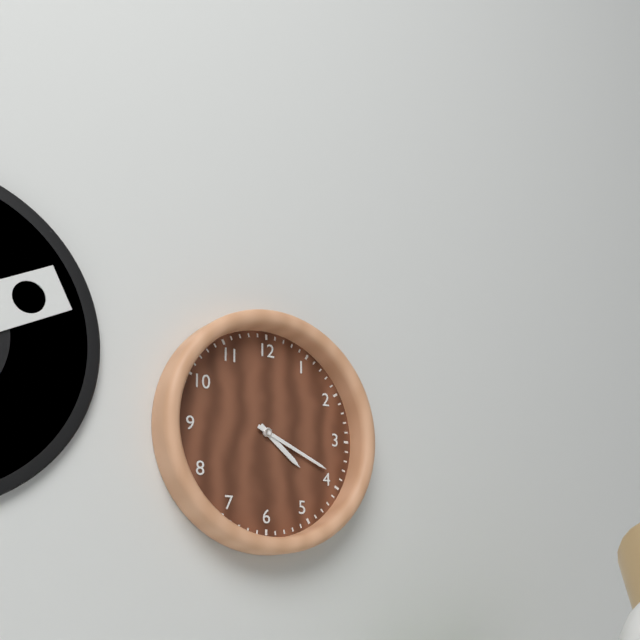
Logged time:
h=4 m=19
